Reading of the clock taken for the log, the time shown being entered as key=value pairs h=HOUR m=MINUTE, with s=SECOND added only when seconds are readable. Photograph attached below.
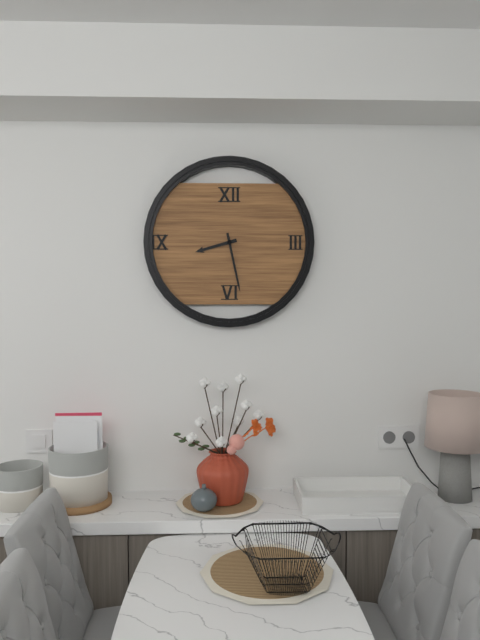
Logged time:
h=8 m=28
